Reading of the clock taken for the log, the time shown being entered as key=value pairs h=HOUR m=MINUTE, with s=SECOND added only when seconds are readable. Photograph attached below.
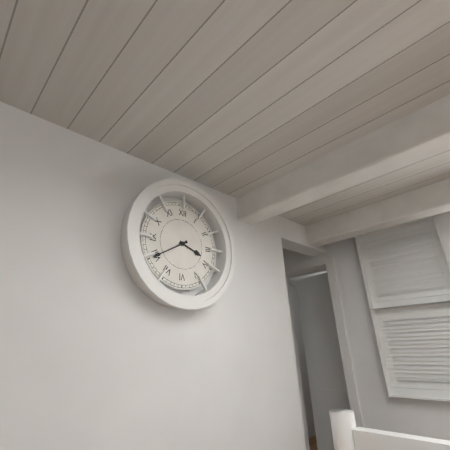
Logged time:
h=3 m=40
